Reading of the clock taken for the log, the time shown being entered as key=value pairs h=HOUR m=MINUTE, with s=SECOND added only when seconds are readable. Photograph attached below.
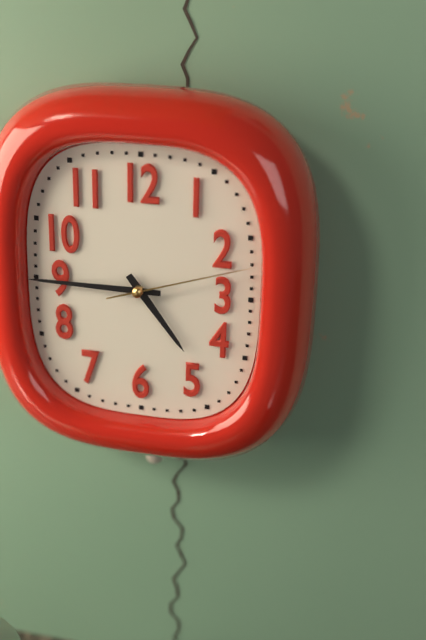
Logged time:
h=4 m=45 s=12
